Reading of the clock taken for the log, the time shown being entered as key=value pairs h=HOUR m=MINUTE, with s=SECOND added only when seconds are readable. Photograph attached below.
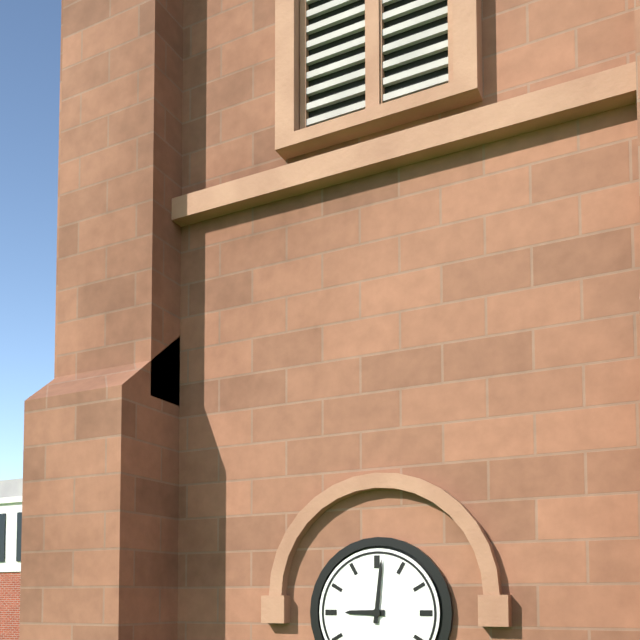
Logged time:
h=9 m=1
